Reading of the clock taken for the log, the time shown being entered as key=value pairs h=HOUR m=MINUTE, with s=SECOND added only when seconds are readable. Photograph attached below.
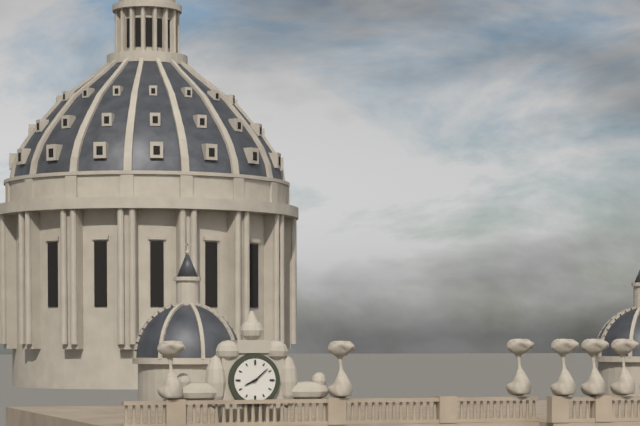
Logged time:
h=8 m=8
